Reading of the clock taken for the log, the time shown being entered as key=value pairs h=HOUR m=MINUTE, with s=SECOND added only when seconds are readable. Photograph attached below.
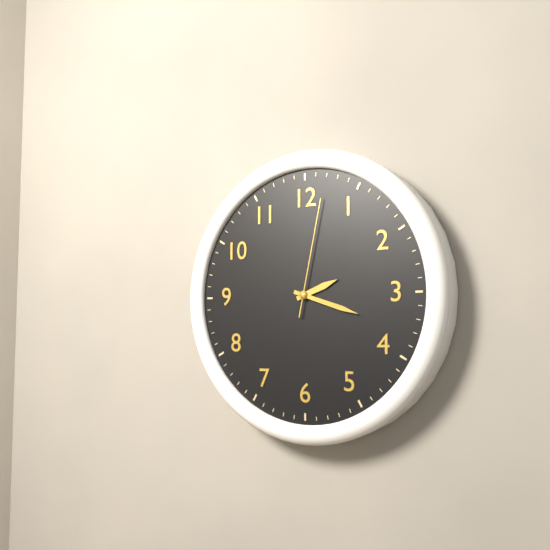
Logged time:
h=2 m=18 s=2
